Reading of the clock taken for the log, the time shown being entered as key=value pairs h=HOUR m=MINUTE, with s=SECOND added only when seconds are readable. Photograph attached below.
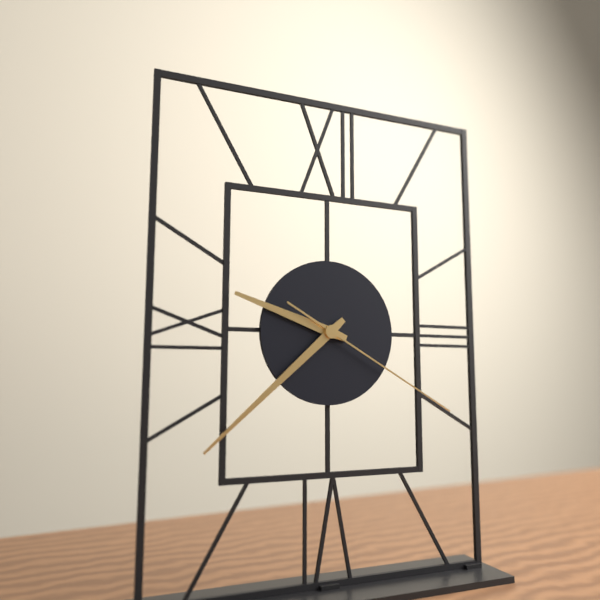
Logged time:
h=9 m=38 s=20
